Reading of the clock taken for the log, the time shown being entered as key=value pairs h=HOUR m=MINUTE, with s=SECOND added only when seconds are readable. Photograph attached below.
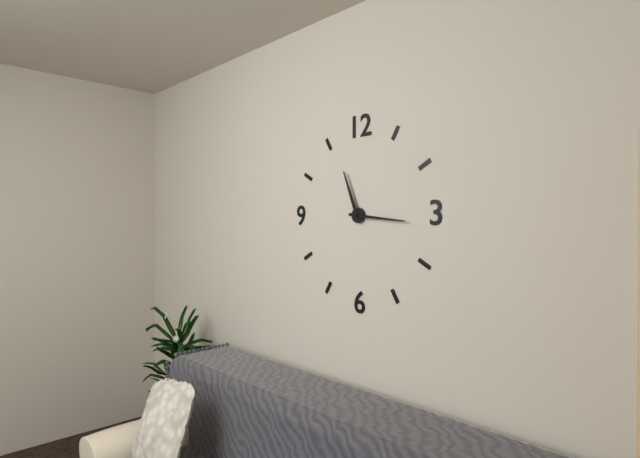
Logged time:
h=11 m=16
